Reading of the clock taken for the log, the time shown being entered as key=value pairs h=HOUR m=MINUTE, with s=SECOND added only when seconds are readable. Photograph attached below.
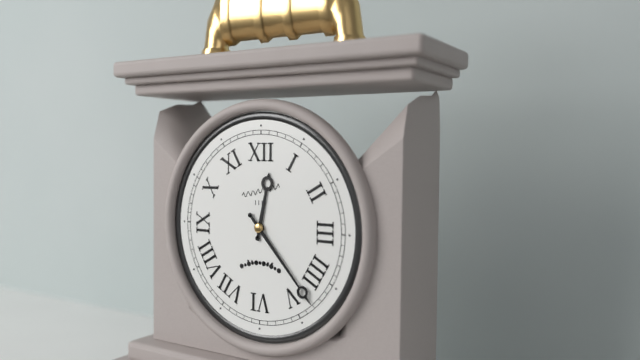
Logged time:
h=12 m=23
